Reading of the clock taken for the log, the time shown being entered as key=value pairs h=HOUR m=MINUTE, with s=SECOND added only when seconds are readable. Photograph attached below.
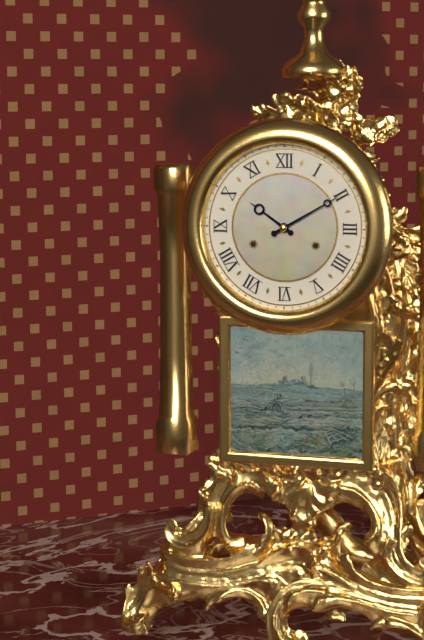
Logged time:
h=10 m=10
